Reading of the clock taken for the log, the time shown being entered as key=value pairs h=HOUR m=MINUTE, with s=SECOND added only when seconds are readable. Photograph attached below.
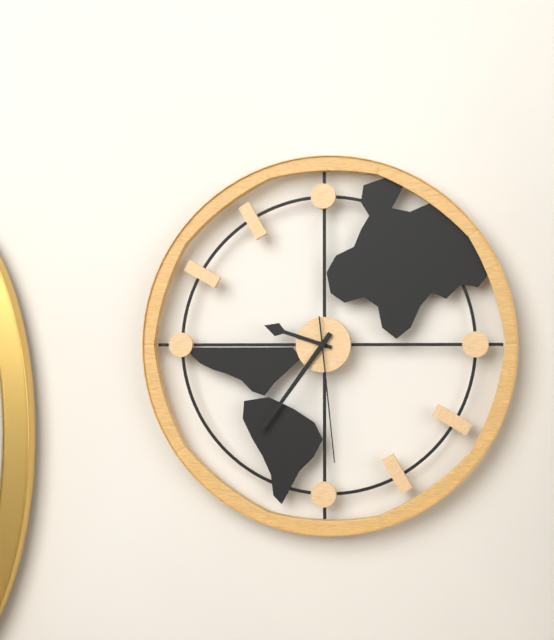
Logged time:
h=9 m=36 s=29
